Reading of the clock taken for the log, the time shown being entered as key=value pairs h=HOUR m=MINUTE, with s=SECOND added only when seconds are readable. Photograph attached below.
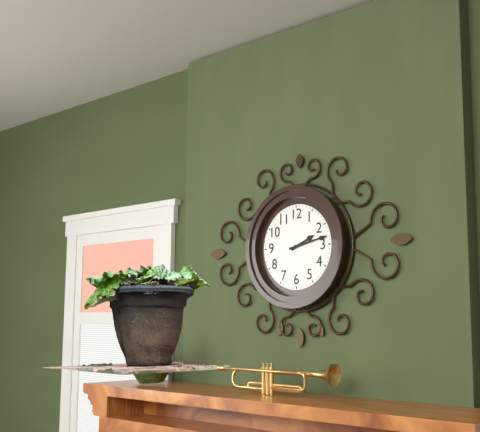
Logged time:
h=2 m=13
